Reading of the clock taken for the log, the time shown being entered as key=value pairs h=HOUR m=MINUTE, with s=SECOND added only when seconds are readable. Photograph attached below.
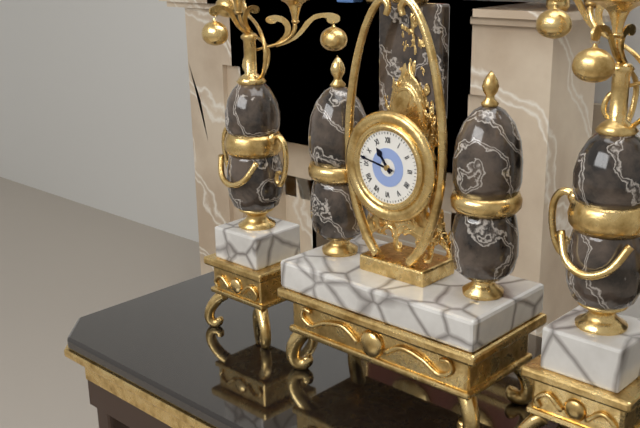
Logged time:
h=10 m=47
